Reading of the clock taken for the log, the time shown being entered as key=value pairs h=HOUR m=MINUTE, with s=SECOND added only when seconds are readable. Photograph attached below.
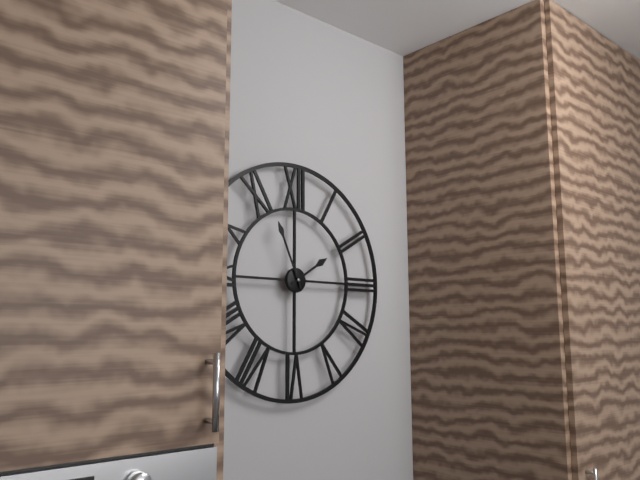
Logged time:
h=1 m=56
